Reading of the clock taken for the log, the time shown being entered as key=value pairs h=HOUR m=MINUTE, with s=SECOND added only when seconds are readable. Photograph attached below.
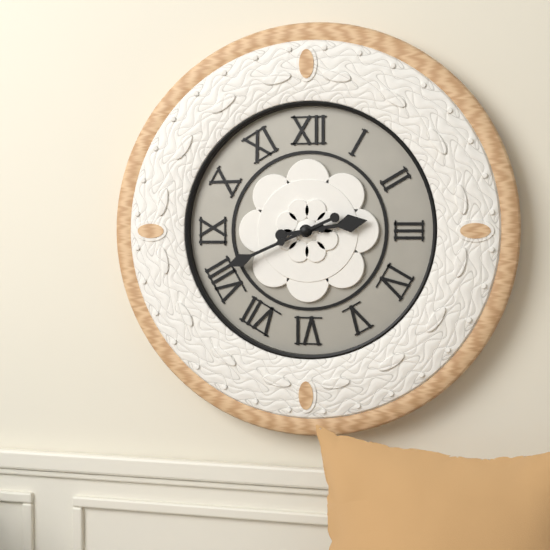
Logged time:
h=2 m=41
